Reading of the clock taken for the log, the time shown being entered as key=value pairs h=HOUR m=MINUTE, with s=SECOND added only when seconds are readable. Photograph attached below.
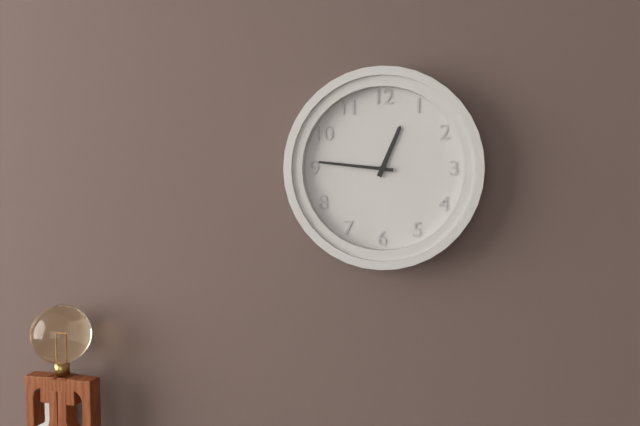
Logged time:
h=12 m=46
